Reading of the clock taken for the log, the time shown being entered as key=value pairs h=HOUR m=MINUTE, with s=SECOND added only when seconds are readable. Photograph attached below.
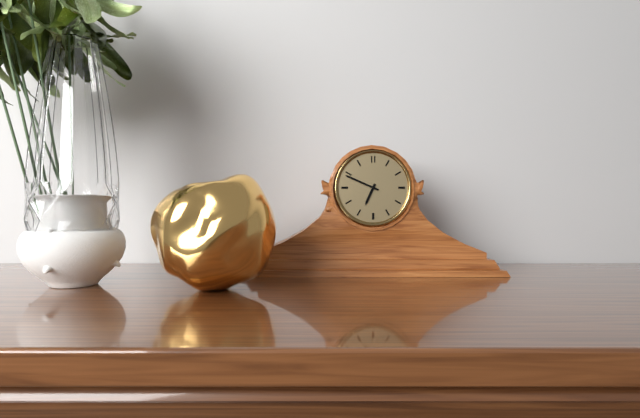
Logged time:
h=6 m=49
